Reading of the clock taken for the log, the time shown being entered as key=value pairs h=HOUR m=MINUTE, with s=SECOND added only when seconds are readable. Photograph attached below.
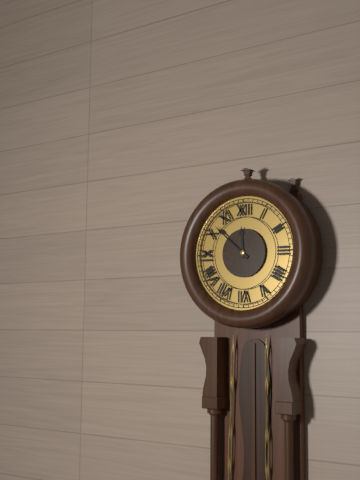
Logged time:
h=11 m=52
